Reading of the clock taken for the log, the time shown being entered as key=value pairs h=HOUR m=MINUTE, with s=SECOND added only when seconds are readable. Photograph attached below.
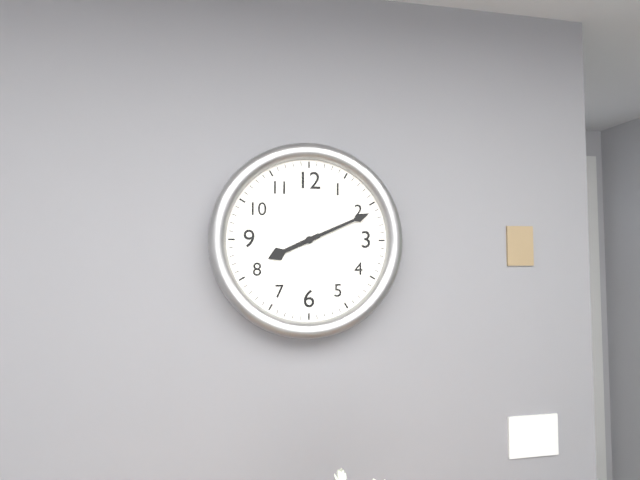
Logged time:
h=8 m=11
